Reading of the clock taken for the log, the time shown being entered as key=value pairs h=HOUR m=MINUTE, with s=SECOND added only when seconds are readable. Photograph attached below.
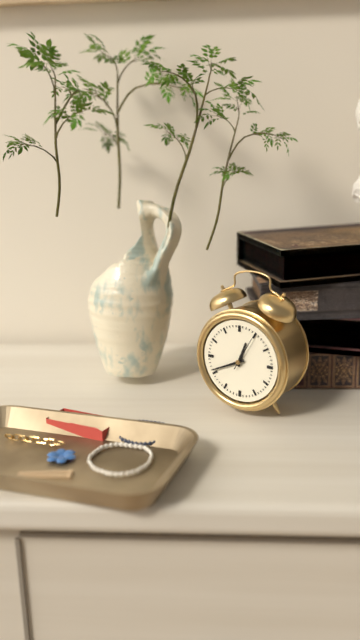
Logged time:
h=12 m=41
